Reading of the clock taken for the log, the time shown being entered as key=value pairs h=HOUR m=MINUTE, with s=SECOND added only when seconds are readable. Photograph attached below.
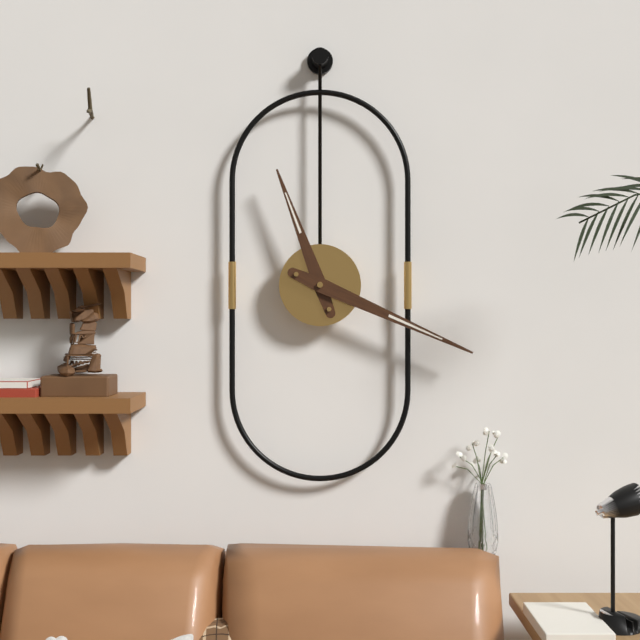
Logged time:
h=11 m=19
